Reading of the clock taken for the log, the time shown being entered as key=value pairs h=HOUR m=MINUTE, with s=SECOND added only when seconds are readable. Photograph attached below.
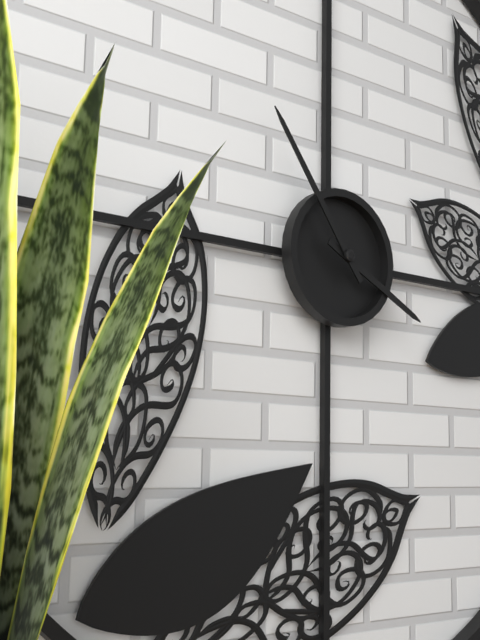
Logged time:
h=3 m=54
